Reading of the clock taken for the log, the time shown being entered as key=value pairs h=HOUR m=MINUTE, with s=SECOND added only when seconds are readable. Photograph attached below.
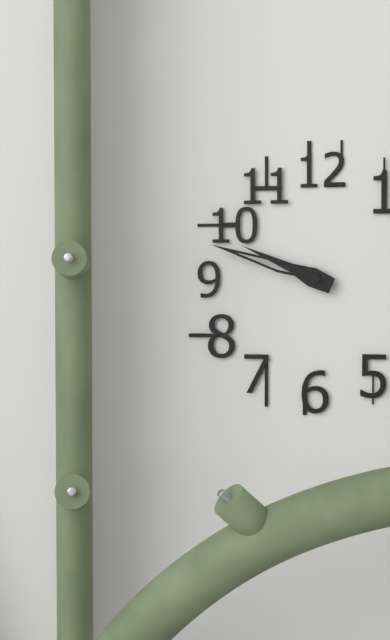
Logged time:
h=9 m=48
